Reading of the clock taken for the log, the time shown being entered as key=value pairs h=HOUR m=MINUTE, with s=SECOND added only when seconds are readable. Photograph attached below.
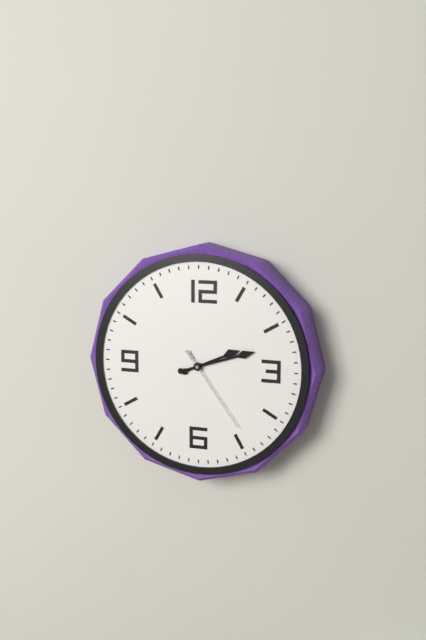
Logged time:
h=2 m=12 s=24
